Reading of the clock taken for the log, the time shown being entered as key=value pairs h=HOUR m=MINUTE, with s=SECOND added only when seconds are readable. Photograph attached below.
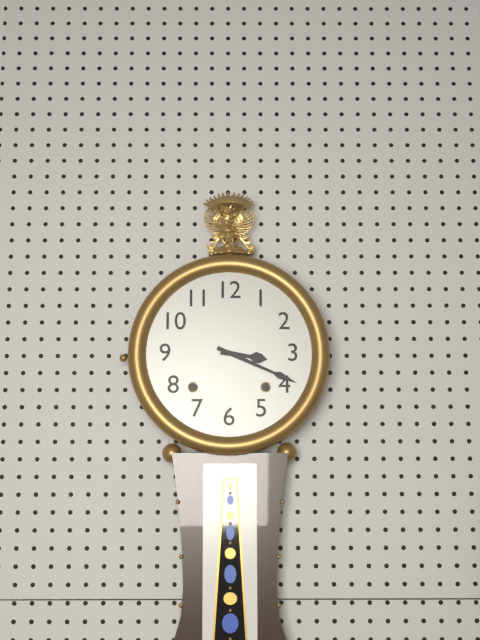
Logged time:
h=3 m=19
